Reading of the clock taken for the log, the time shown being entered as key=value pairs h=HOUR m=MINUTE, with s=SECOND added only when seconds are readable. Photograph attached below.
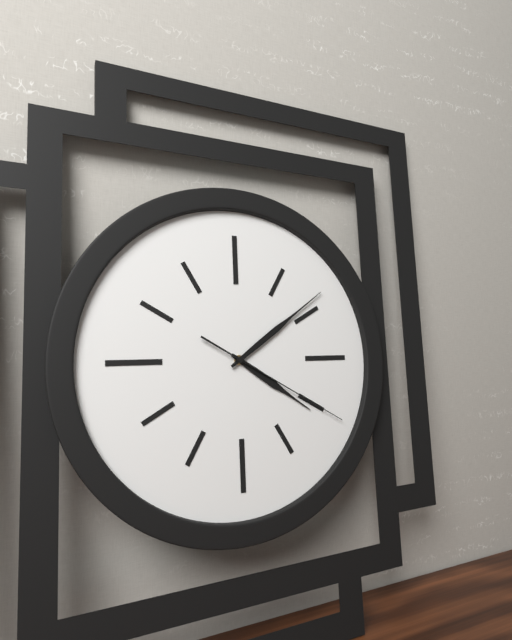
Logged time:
h=4 m=9 s=20
